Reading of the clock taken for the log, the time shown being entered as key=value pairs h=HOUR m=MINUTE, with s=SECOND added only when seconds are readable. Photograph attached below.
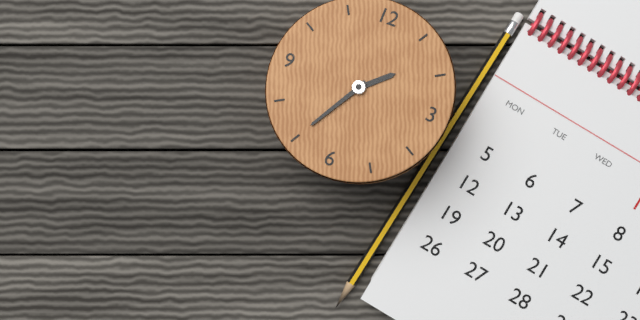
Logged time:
h=1 m=35
